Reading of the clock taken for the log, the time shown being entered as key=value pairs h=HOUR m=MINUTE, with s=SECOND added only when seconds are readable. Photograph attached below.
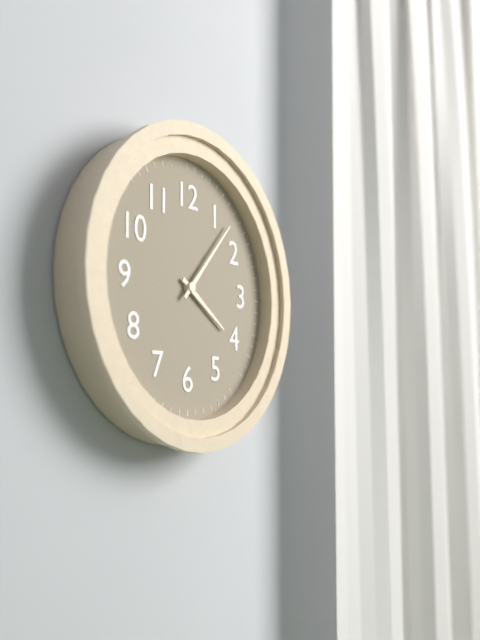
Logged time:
h=4 m=7
